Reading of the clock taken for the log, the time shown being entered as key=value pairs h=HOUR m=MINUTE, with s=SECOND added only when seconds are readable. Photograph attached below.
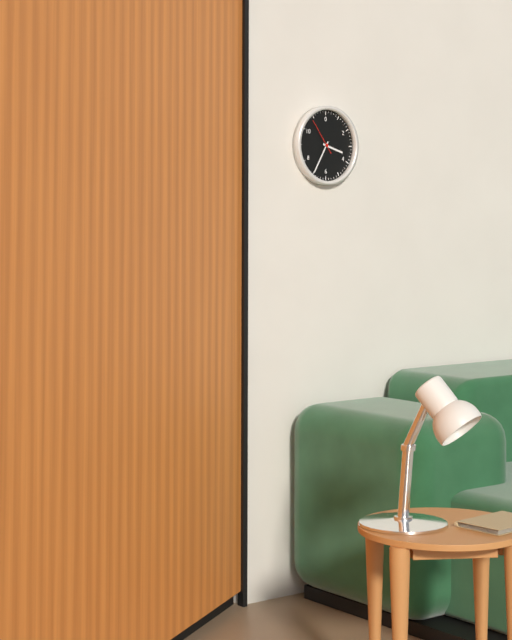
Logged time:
h=3 m=35
